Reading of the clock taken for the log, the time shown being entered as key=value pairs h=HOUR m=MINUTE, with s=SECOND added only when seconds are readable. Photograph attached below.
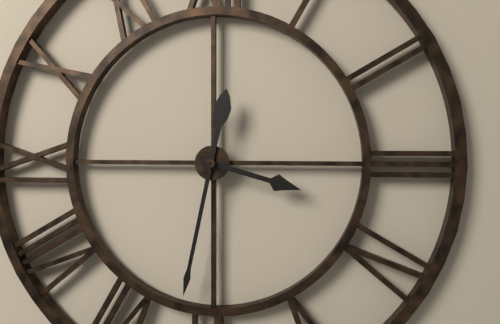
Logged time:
h=3 m=32
